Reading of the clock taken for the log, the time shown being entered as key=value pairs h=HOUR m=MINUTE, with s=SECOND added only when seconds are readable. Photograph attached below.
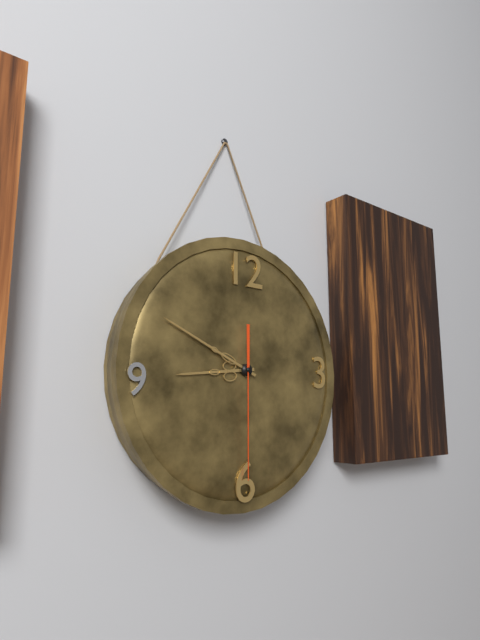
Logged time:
h=8 m=49 s=30
